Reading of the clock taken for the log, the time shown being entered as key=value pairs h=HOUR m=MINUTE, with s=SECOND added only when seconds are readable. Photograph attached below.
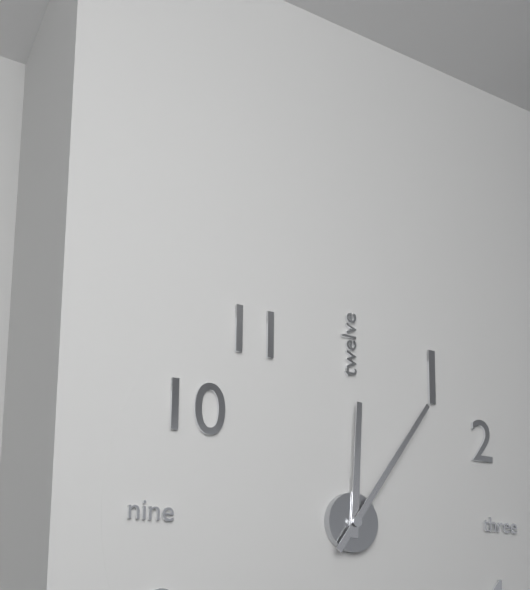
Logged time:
h=12 m=6
